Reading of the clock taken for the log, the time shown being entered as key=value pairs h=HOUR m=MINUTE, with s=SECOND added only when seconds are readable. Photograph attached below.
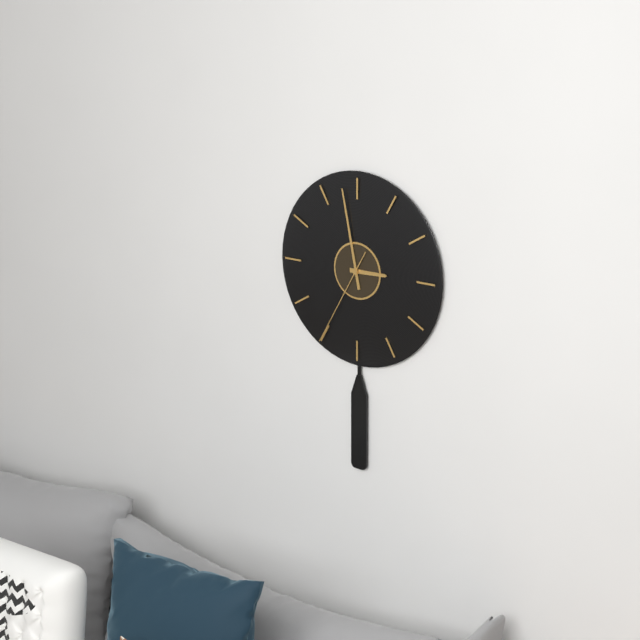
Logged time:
h=2 m=58 s=35
